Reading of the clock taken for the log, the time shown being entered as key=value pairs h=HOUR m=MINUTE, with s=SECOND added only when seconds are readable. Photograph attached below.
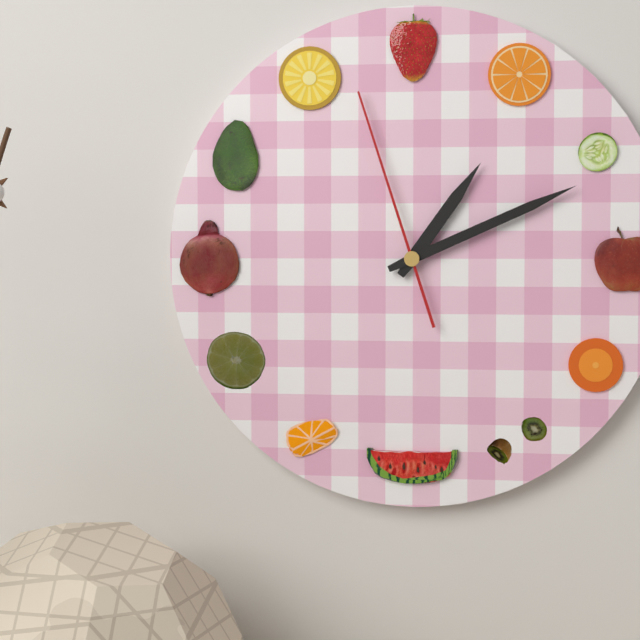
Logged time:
h=1 m=11 s=57
